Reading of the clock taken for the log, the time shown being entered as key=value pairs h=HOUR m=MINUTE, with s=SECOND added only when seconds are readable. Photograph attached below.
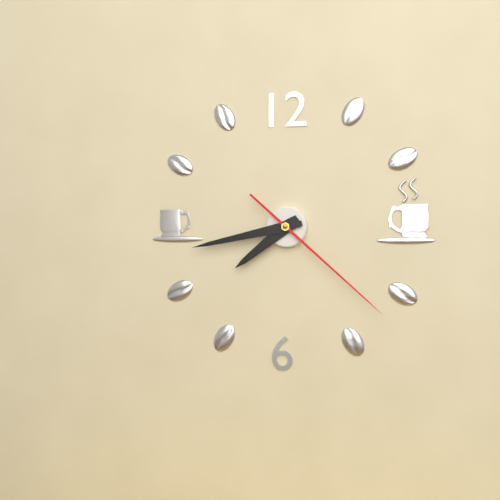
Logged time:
h=7 m=43 s=22
